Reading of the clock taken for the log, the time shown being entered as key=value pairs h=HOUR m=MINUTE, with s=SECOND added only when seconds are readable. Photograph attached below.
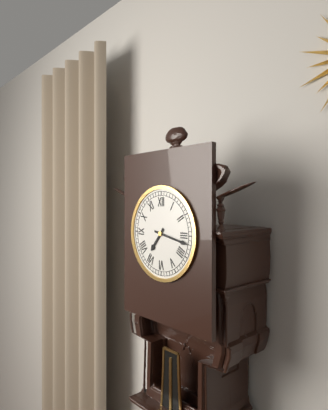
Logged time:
h=7 m=17
